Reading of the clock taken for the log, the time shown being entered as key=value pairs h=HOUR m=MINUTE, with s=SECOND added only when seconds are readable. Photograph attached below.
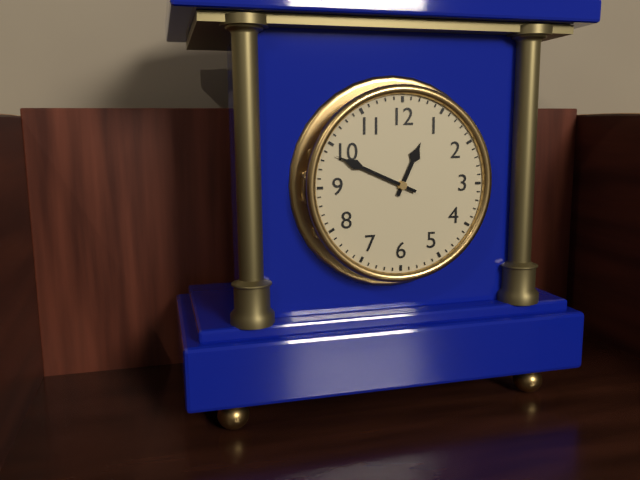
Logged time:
h=12 m=49
